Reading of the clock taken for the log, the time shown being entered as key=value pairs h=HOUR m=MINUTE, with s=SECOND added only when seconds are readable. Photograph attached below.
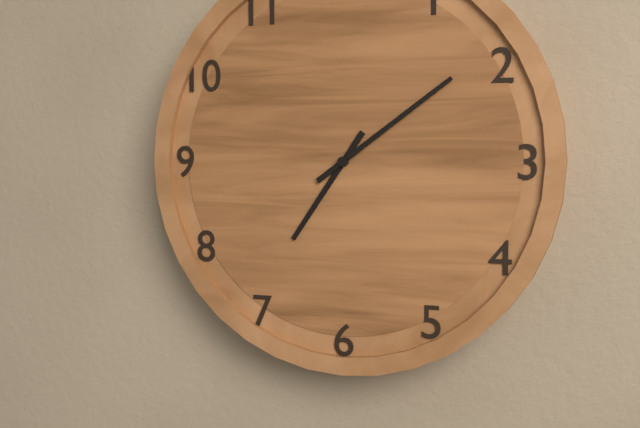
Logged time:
h=7 m=9
